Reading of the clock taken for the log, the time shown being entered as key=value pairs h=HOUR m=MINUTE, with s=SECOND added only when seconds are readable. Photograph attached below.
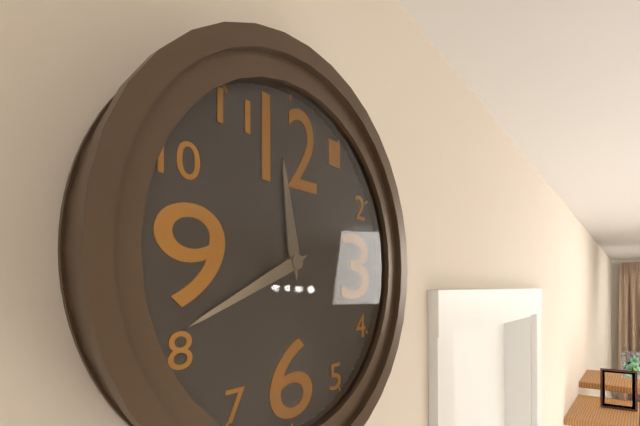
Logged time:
h=11 m=41
